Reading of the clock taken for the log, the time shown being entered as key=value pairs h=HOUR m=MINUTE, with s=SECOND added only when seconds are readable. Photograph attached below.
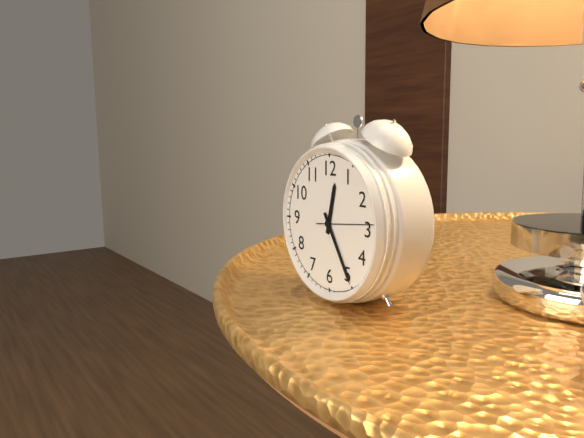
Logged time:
h=12 m=25 s=14
